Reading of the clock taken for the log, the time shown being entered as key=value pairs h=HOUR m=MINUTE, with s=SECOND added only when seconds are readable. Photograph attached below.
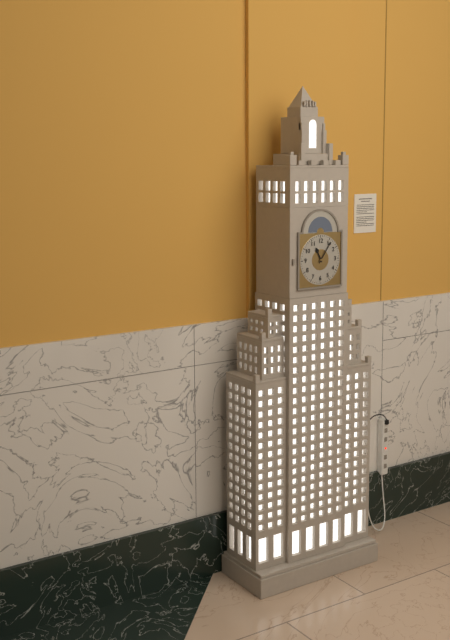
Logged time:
h=11 m=6
